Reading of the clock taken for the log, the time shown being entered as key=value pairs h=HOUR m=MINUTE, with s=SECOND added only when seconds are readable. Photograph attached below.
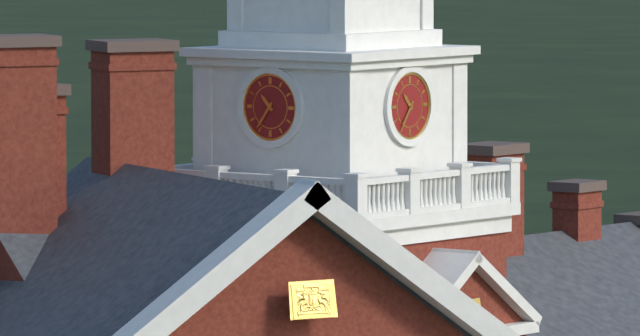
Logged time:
h=10 m=36
